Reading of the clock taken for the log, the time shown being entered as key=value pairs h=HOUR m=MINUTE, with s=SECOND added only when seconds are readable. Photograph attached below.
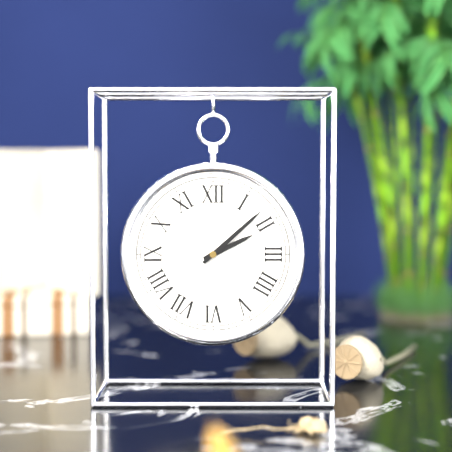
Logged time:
h=2 m=8
